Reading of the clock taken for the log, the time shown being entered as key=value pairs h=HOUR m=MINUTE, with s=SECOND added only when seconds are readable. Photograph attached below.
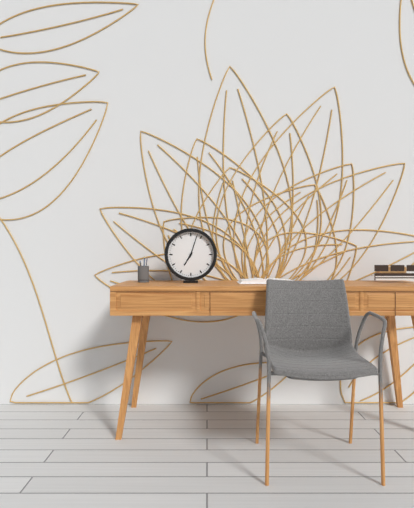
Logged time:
h=7 m=3
